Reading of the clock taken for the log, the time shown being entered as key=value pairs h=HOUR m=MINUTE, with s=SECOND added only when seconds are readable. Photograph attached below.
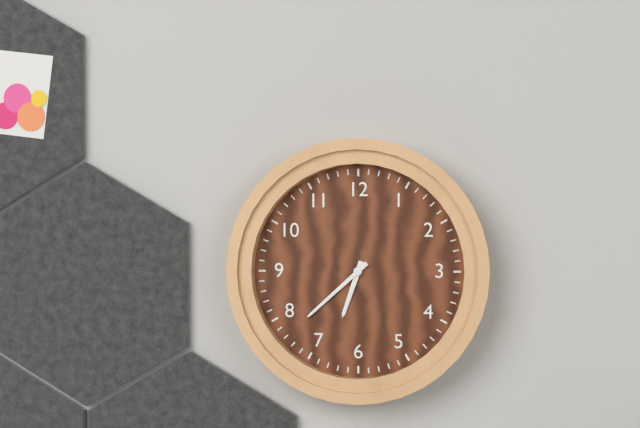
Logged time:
h=6 m=38
